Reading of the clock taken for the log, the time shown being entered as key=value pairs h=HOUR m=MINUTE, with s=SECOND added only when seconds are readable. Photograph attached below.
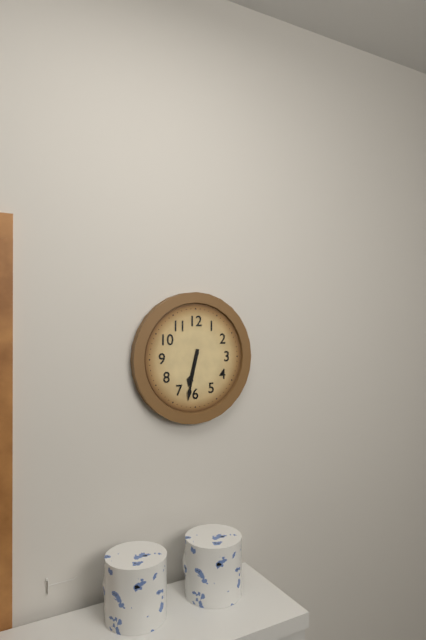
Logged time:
h=6 m=32
